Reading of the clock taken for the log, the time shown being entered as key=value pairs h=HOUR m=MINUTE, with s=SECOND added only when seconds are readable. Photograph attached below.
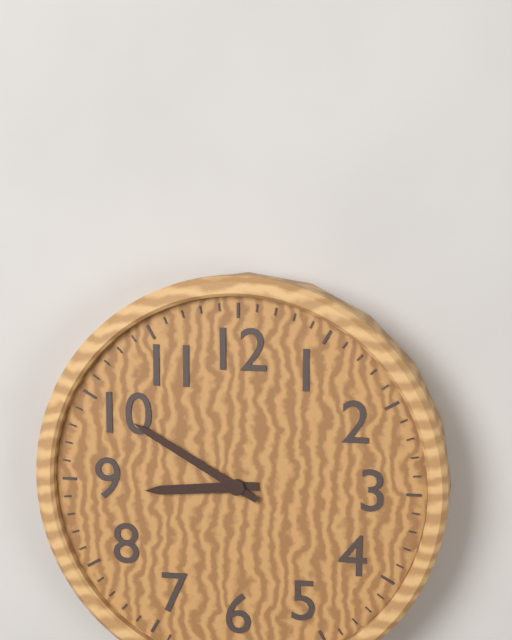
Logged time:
h=8 m=50
